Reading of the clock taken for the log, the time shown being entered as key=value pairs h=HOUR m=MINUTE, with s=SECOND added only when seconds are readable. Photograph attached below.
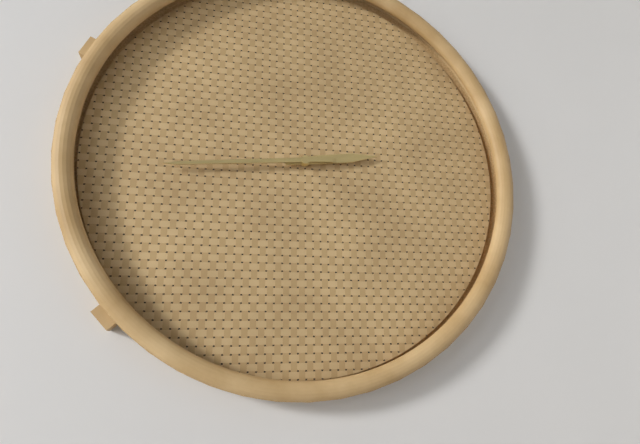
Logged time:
h=2 m=44
